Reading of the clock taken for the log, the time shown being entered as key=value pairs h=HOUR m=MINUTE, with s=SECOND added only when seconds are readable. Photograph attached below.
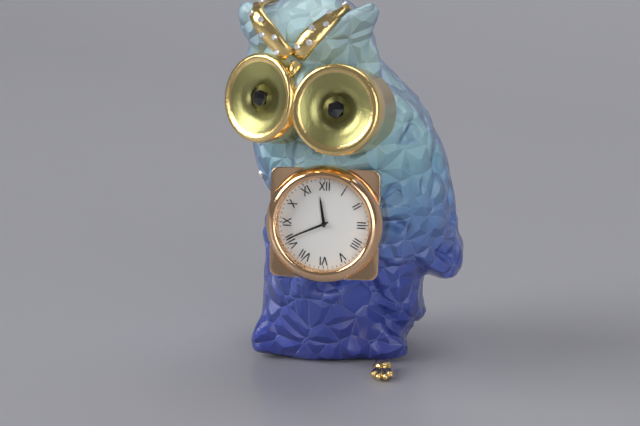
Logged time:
h=11 m=41
